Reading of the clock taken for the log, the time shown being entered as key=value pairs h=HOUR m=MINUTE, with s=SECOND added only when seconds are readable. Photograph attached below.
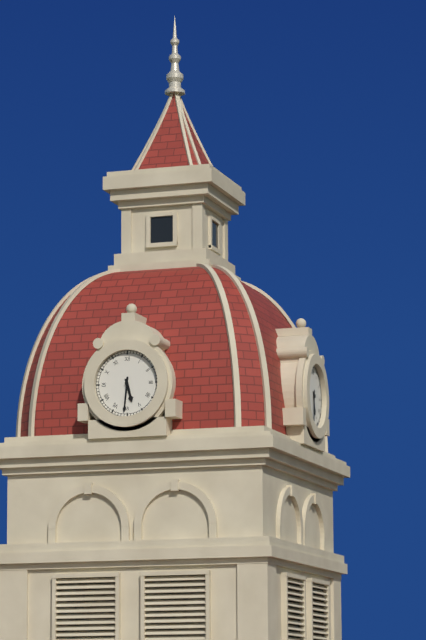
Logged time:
h=5 m=31
